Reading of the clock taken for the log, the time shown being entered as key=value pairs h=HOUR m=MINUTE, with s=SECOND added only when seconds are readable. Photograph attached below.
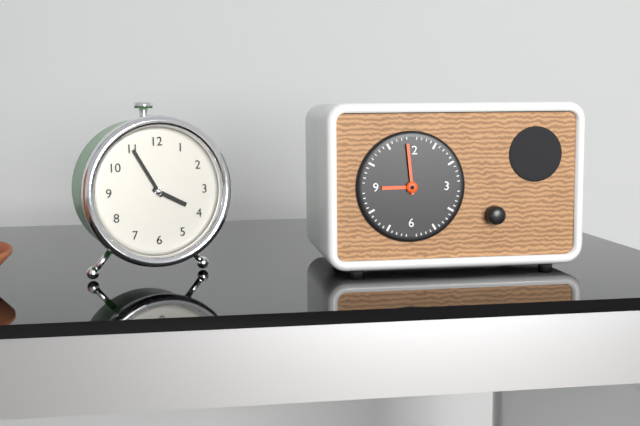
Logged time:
h=8 m=59
